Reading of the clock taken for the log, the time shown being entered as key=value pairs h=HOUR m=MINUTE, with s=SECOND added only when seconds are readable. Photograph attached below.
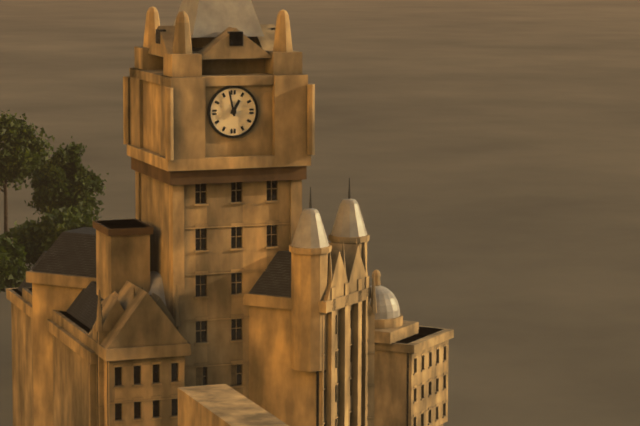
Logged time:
h=12 m=58
